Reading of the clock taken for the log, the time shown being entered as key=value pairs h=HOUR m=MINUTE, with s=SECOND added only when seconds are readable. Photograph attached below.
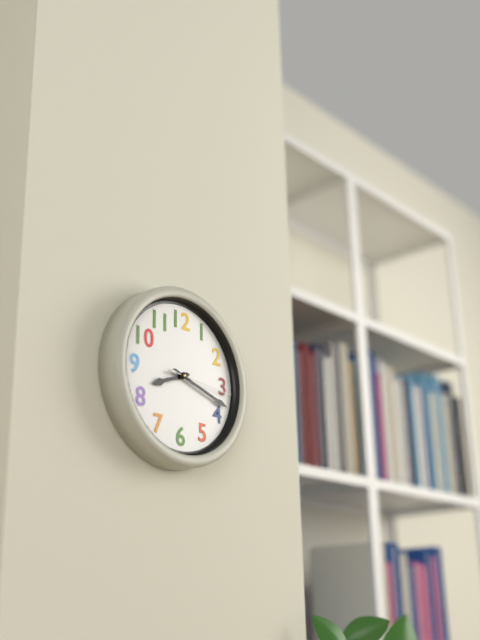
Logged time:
h=8 m=18 s=16
